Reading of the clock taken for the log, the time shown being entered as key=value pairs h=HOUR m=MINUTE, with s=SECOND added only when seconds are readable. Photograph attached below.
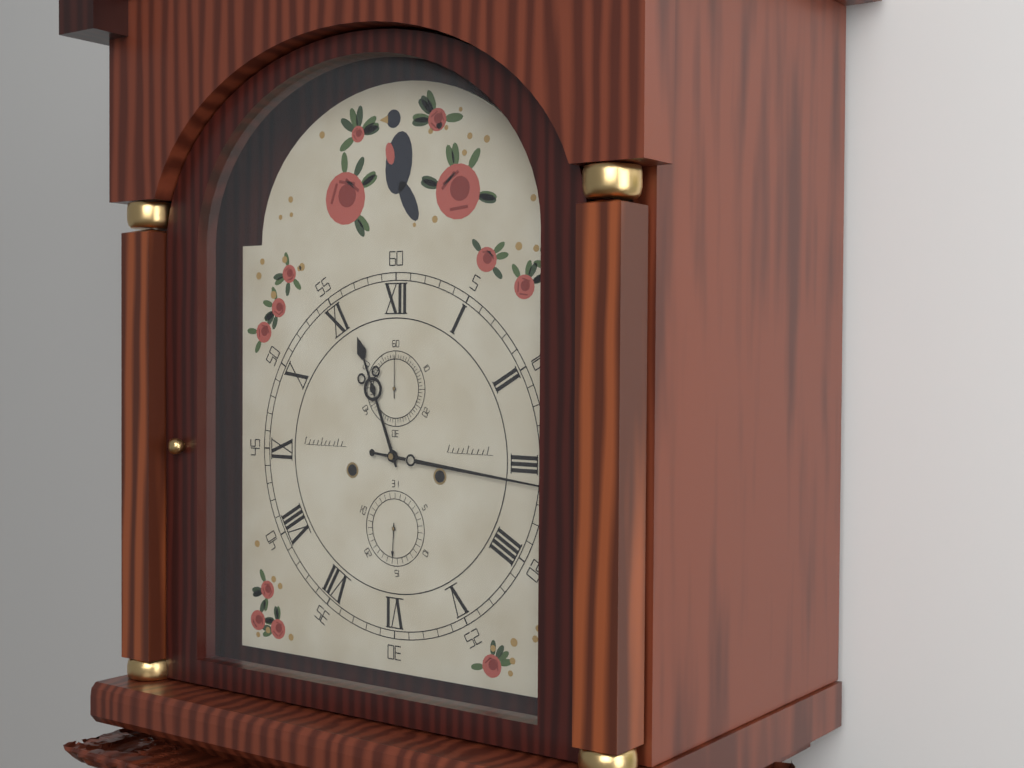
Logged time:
h=11 m=16
